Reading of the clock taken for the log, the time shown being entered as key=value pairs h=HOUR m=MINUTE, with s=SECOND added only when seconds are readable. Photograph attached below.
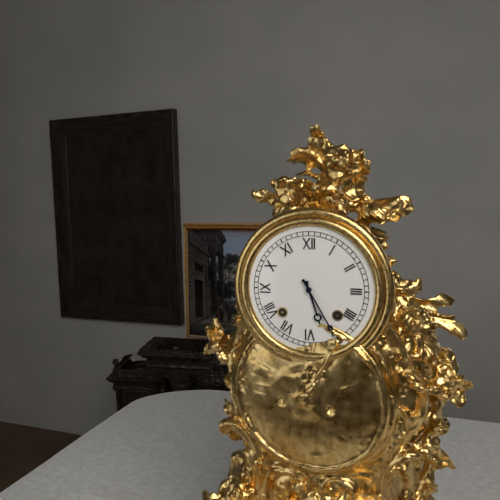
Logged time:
h=5 m=25
